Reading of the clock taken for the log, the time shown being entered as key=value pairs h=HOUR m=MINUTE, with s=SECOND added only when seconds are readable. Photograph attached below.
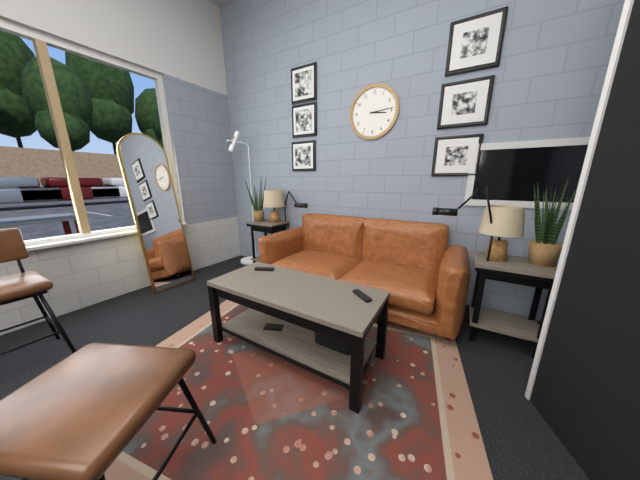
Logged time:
h=3 m=14
